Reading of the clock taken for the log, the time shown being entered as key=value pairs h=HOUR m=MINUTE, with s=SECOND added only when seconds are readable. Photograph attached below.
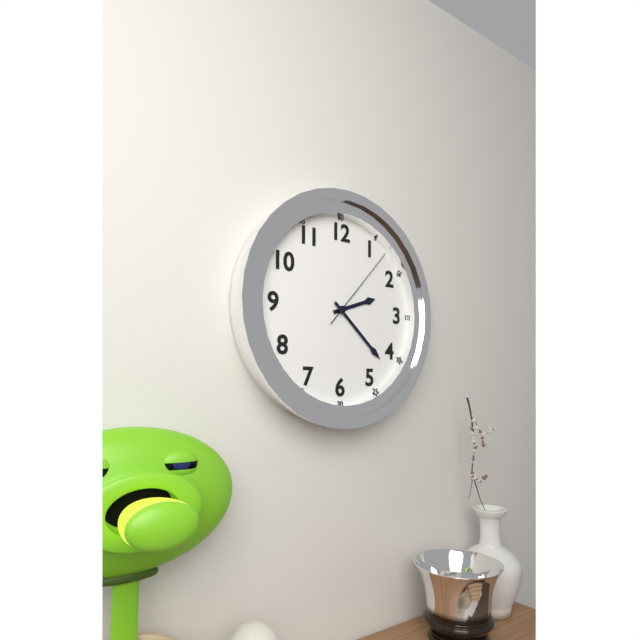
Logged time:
h=2 m=22 s=7
